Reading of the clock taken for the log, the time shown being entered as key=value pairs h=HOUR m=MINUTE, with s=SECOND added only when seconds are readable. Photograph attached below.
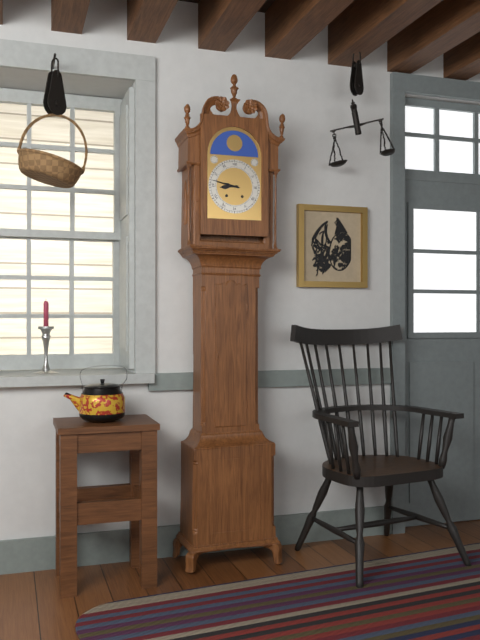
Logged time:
h=8 m=47
